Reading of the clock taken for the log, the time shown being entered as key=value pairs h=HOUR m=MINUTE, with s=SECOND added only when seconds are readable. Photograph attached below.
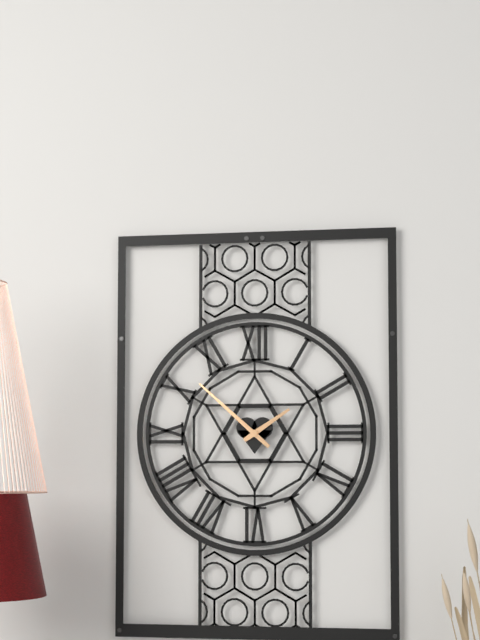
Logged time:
h=1 m=52
